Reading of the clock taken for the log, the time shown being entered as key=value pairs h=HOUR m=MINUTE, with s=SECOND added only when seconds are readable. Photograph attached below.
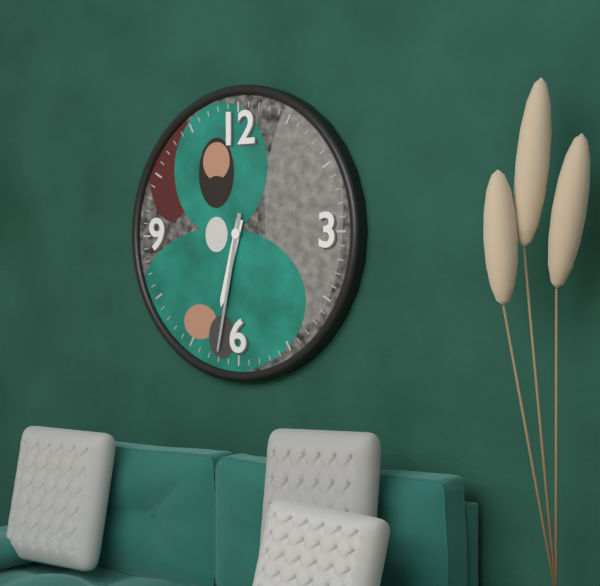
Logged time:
h=6 m=32
